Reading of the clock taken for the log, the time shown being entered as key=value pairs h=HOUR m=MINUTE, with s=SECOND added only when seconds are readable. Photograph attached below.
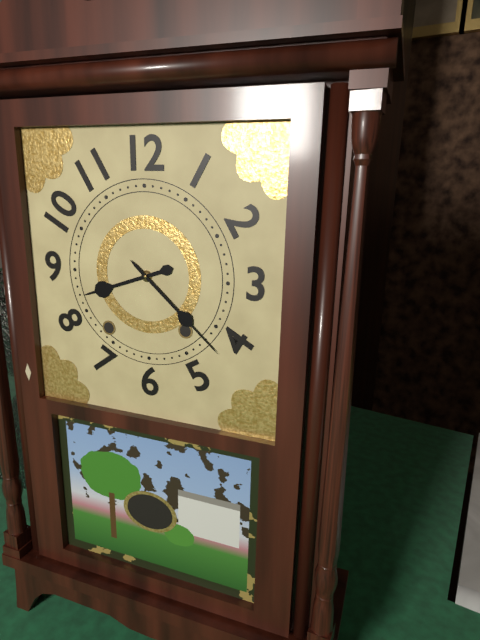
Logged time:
h=8 m=22
